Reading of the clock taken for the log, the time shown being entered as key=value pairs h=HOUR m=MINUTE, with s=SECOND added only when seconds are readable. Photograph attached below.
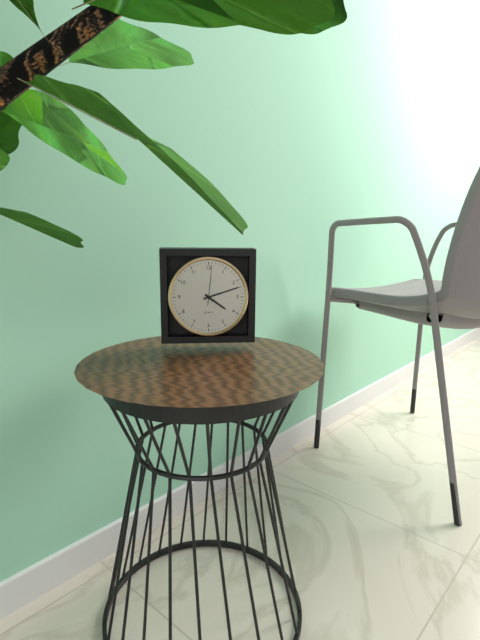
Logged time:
h=4 m=12
